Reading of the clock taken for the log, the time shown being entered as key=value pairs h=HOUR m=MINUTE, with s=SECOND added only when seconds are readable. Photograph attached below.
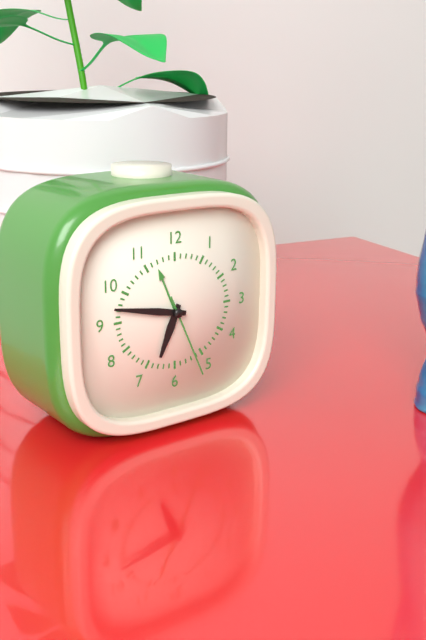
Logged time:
h=6 m=47 s=26
